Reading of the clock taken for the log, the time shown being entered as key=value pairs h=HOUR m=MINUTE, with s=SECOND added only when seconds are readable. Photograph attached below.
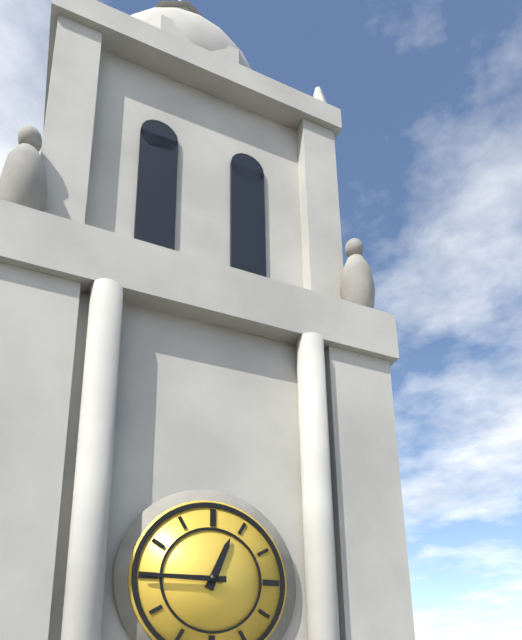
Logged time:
h=12 m=45
